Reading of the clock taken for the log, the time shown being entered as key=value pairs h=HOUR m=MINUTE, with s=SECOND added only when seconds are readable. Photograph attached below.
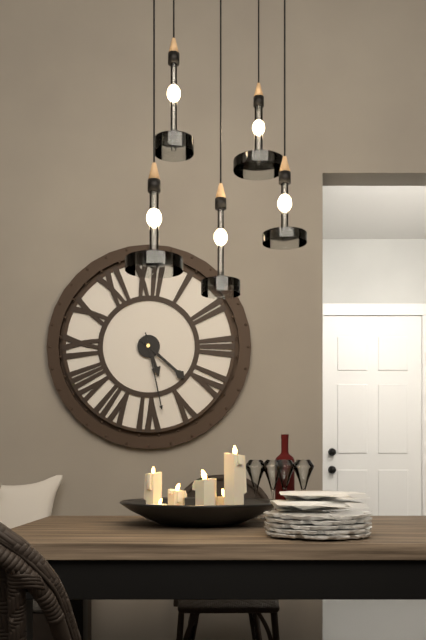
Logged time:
h=5 m=22 s=28
